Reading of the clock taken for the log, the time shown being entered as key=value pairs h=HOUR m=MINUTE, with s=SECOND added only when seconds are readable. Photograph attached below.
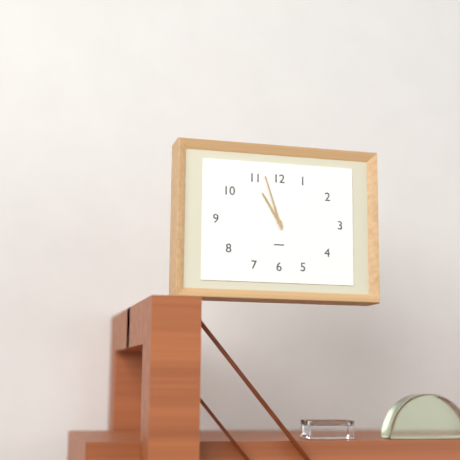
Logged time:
h=10 m=57
